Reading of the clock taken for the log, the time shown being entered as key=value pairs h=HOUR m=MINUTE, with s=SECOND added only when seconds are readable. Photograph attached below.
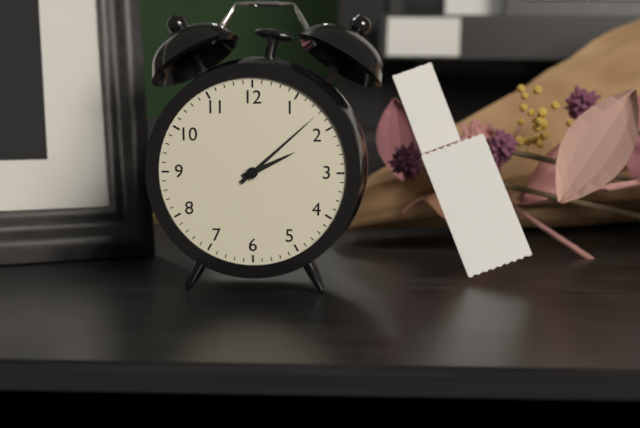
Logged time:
h=2 m=8
